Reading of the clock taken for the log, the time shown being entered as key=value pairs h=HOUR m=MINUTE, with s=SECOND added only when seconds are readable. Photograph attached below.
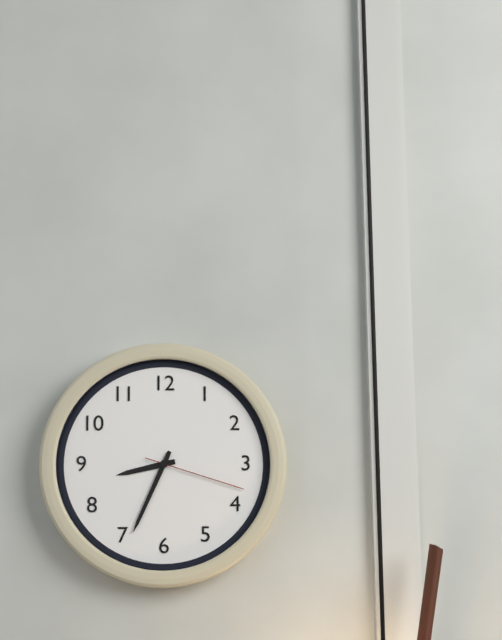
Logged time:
h=8 m=34 s=18
